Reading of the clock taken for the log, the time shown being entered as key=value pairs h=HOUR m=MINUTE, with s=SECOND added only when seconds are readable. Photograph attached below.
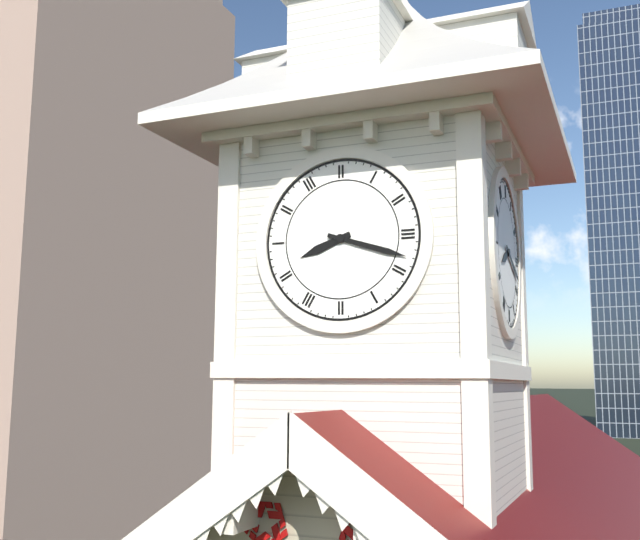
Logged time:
h=8 m=18
